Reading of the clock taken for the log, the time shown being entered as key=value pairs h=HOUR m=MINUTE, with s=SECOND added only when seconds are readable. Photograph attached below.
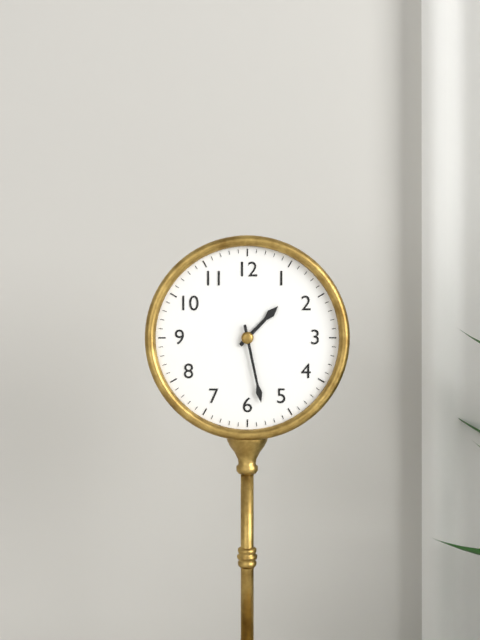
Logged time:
h=1 m=28
